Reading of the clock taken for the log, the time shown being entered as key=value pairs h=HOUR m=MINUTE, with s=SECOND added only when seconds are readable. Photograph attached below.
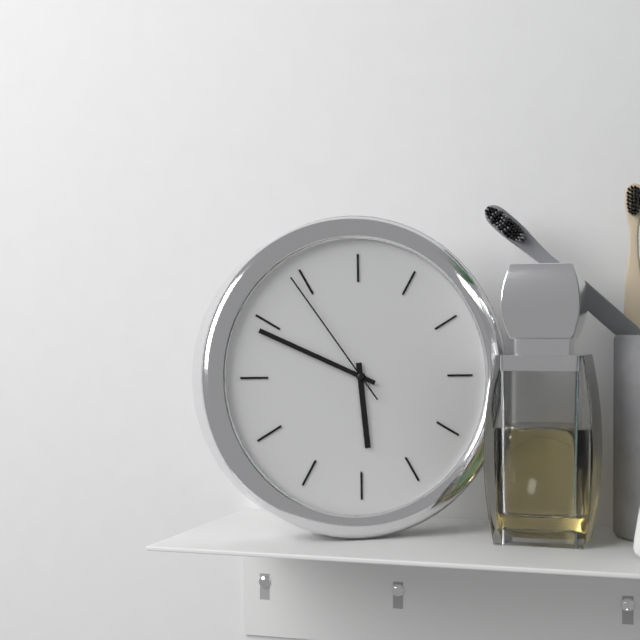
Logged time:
h=5 m=49 s=54
